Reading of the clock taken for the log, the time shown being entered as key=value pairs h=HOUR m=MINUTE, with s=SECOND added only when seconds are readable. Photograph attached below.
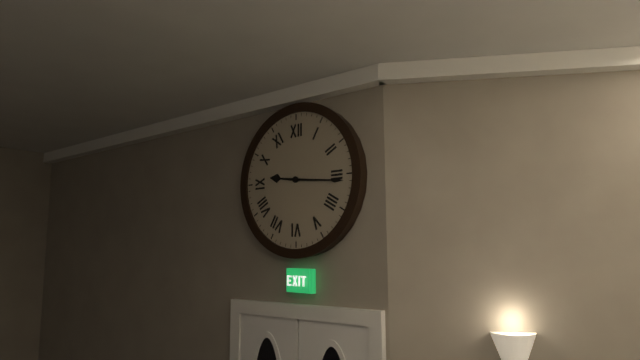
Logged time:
h=9 m=16
